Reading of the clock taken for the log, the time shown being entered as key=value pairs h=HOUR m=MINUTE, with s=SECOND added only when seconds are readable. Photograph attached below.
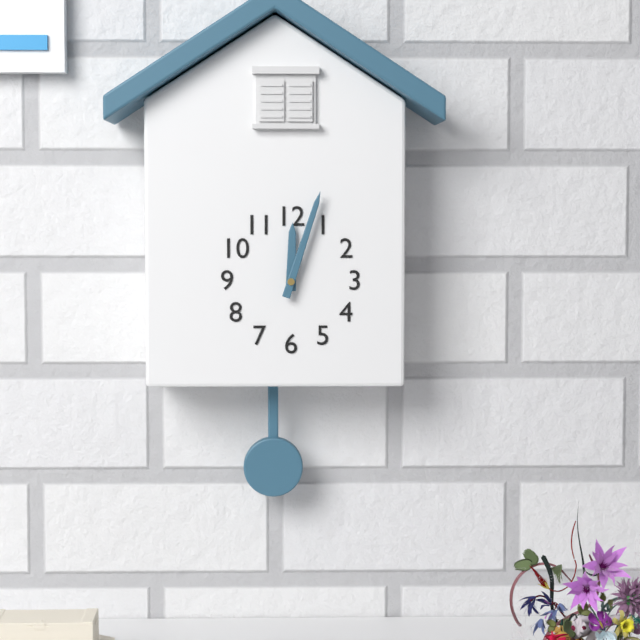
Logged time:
h=12 m=3
